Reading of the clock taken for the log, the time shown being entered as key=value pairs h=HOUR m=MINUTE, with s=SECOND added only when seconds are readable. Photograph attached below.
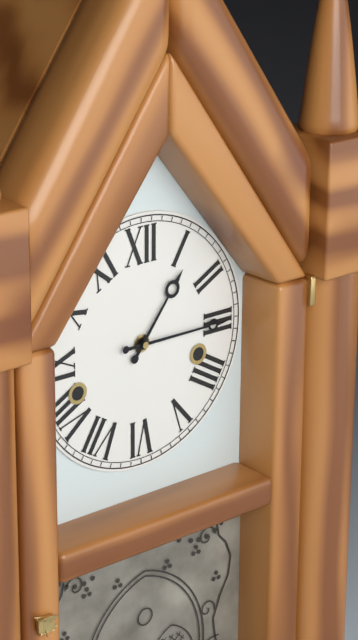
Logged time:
h=1 m=15
